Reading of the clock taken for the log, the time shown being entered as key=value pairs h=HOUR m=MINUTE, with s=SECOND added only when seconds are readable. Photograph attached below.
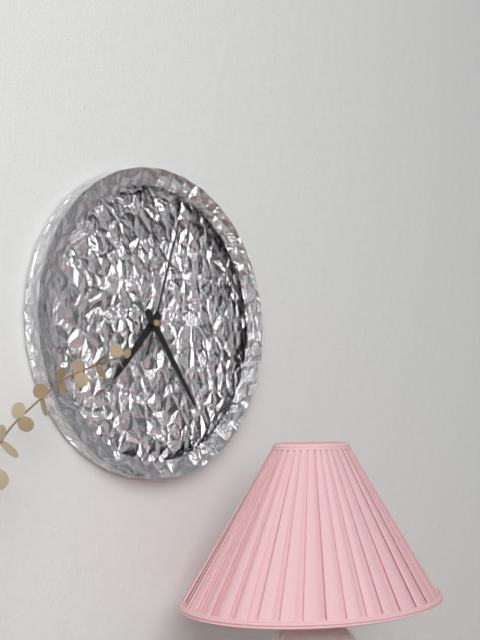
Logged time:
h=7 m=24 s=3
